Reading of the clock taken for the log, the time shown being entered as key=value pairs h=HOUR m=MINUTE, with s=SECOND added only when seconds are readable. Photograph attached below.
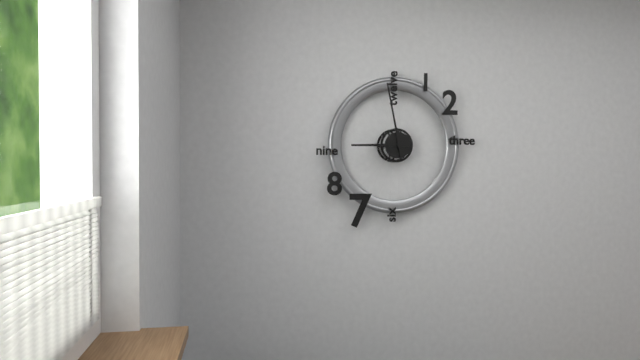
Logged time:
h=8 m=58
